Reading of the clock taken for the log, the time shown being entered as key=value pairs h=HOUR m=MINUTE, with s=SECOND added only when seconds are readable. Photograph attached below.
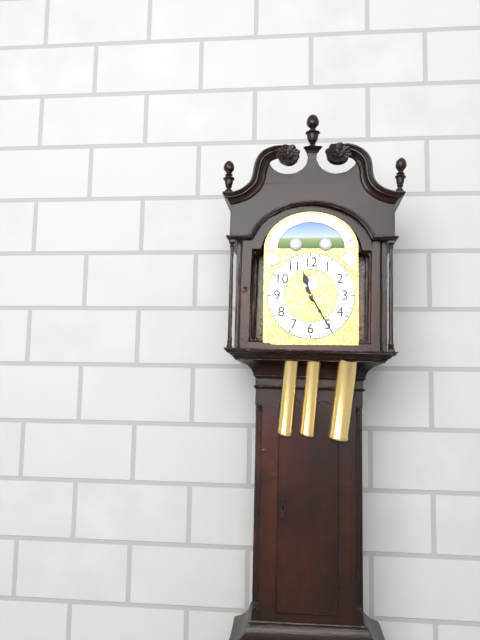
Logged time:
h=11 m=25
